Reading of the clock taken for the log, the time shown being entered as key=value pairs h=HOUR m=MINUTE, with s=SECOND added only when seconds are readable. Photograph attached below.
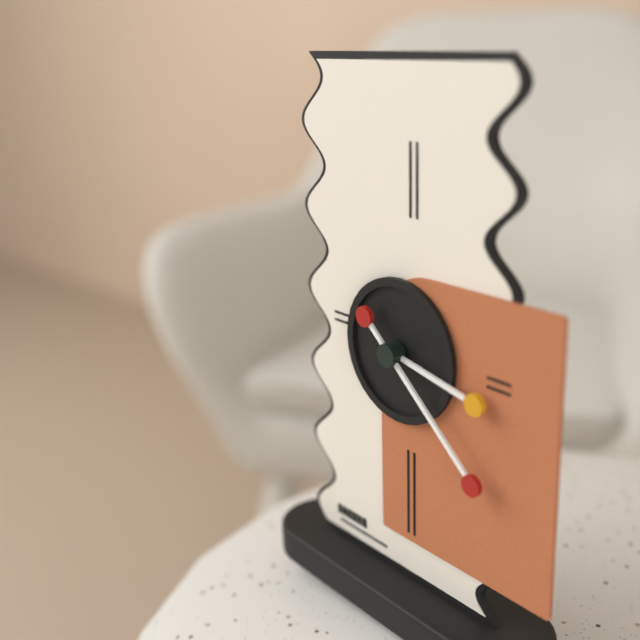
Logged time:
h=3 m=22
